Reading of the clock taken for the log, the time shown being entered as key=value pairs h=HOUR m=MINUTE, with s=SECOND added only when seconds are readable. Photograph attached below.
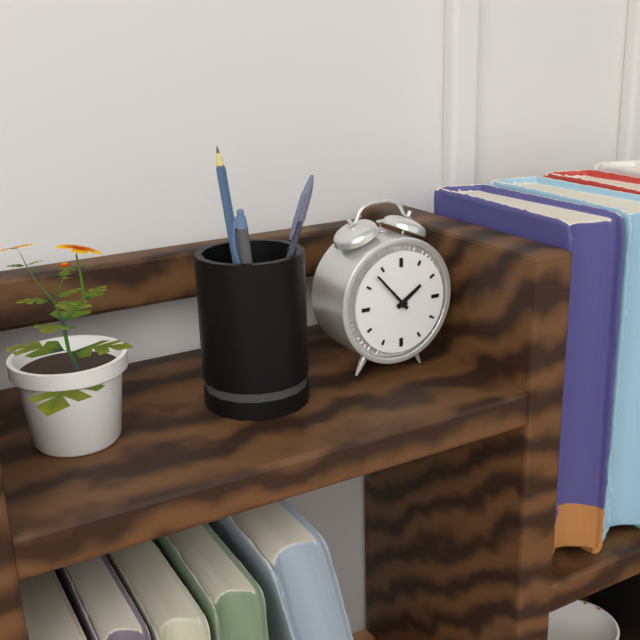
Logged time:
h=1 m=53
